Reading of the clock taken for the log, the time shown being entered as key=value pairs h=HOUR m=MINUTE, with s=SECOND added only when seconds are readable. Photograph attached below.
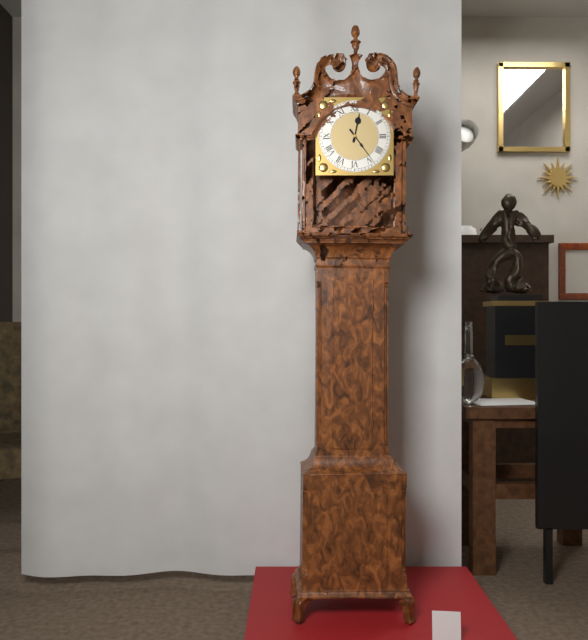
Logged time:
h=12 m=24
